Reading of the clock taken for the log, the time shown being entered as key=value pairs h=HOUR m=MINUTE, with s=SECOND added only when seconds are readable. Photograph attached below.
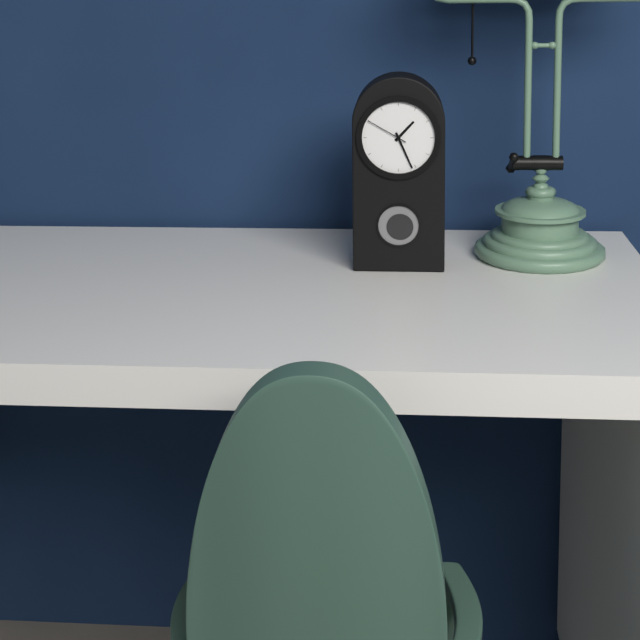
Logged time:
h=1 m=26
